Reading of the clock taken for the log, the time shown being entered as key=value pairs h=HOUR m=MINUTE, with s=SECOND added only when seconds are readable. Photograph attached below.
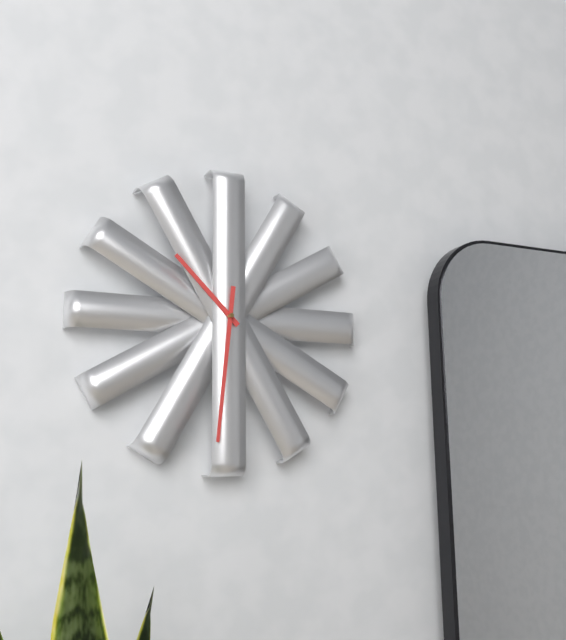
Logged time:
h=10 m=31
